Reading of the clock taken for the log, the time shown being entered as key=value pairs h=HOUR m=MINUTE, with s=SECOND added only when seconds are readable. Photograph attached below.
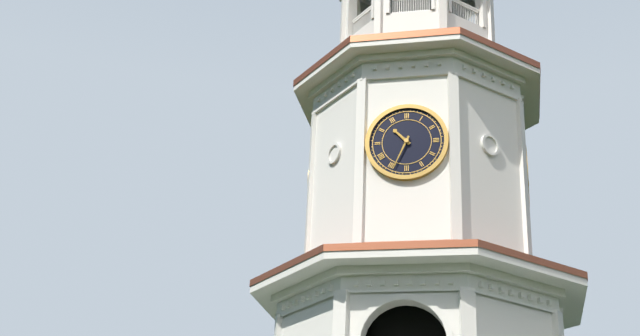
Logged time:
h=10 m=34
